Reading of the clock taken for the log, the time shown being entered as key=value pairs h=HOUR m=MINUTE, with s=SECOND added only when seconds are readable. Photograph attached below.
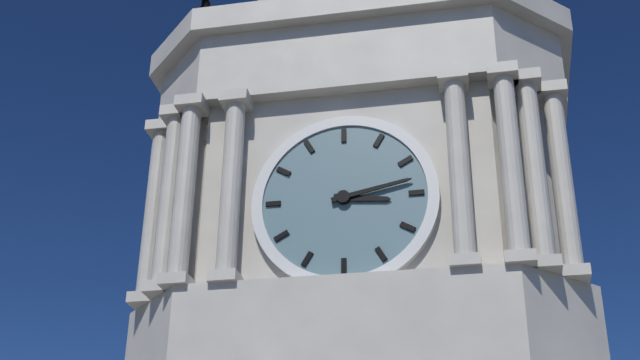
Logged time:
h=3 m=13
